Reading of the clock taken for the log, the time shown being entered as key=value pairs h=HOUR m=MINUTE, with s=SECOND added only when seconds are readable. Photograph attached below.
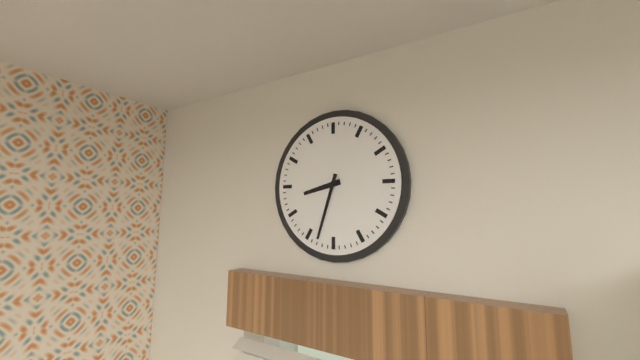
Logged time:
h=8 m=33
